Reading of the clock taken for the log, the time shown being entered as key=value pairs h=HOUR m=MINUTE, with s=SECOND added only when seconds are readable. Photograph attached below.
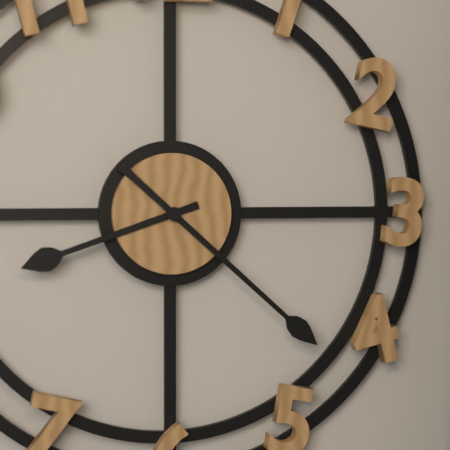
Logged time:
h=8 m=22
